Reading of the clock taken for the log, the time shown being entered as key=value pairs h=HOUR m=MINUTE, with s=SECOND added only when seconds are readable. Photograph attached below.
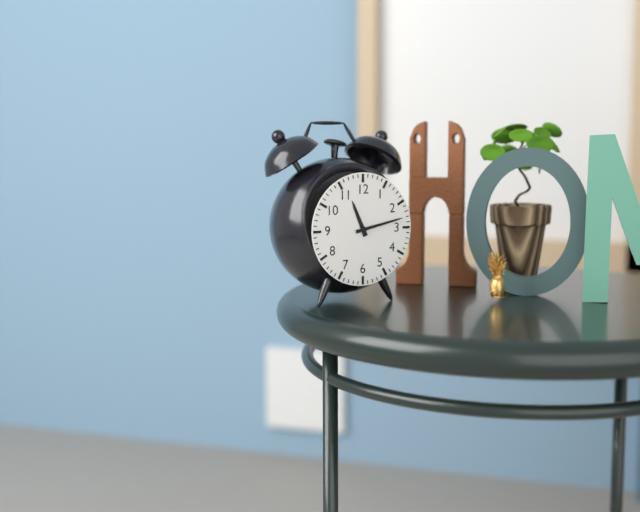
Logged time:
h=11 m=13
